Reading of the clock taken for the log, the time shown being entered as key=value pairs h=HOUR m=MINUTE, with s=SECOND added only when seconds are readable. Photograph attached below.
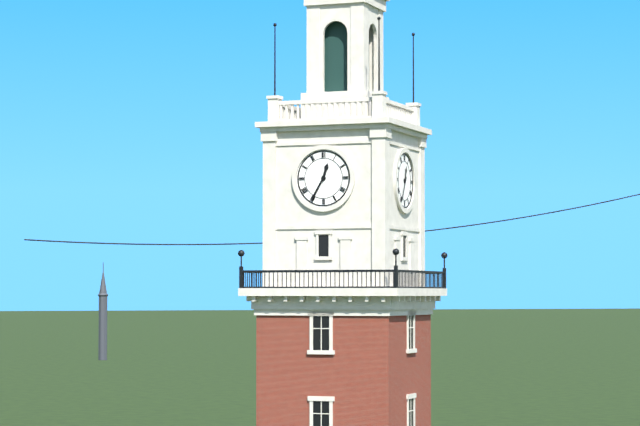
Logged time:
h=12 m=35
